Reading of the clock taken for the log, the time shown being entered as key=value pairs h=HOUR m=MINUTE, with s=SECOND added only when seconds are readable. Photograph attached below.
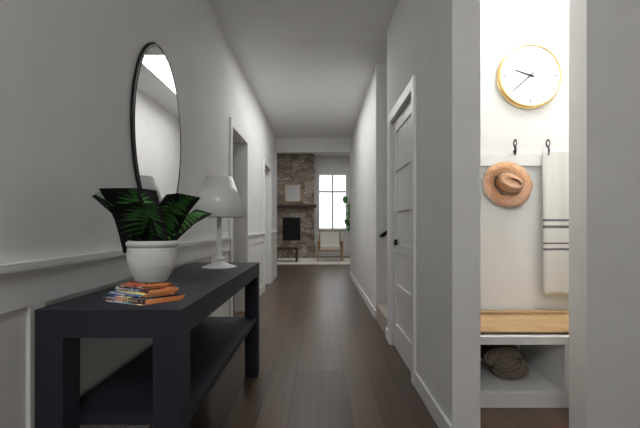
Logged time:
h=9 m=38
